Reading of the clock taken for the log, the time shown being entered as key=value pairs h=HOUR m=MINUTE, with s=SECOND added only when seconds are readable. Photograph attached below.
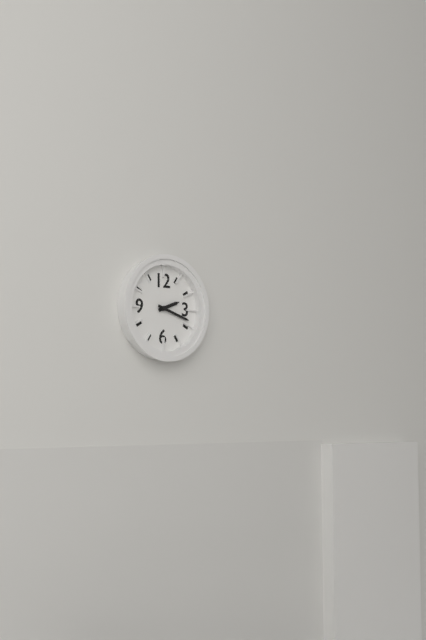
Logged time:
h=2 m=18
